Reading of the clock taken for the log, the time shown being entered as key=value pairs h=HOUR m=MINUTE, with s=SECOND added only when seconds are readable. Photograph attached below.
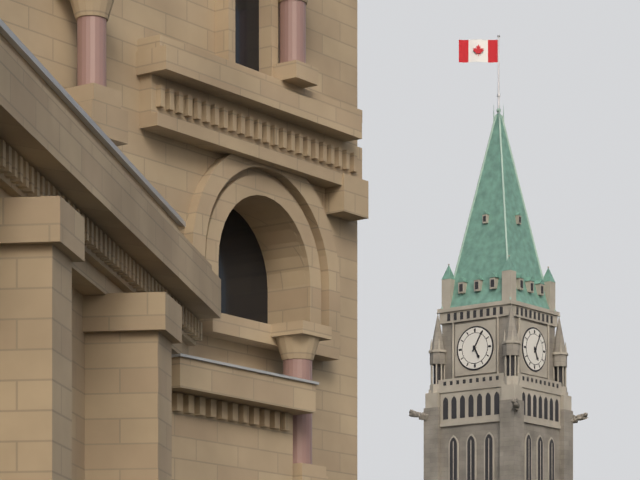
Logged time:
h=5 m=5
